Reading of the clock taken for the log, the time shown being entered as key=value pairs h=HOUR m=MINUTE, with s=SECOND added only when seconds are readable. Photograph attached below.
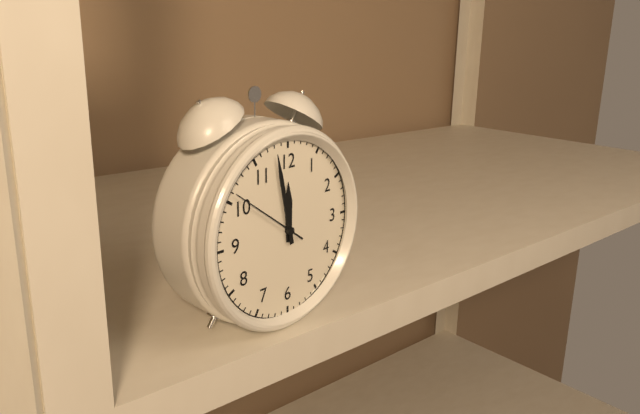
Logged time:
h=11 m=58 s=51
